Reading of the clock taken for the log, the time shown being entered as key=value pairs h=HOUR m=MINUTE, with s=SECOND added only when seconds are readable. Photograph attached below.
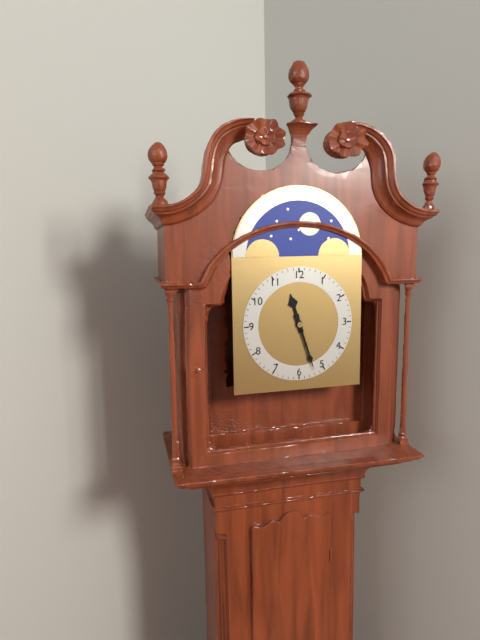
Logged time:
h=11 m=27
